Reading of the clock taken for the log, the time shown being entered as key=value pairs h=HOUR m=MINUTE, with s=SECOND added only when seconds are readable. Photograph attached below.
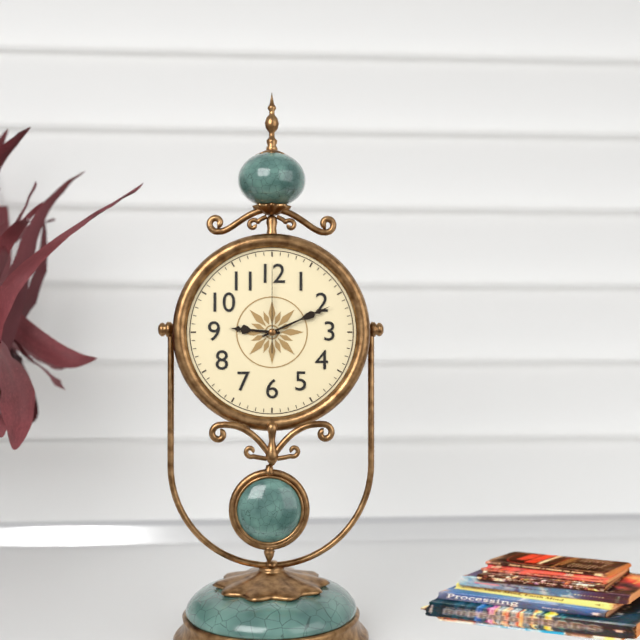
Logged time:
h=9 m=11 s=0
